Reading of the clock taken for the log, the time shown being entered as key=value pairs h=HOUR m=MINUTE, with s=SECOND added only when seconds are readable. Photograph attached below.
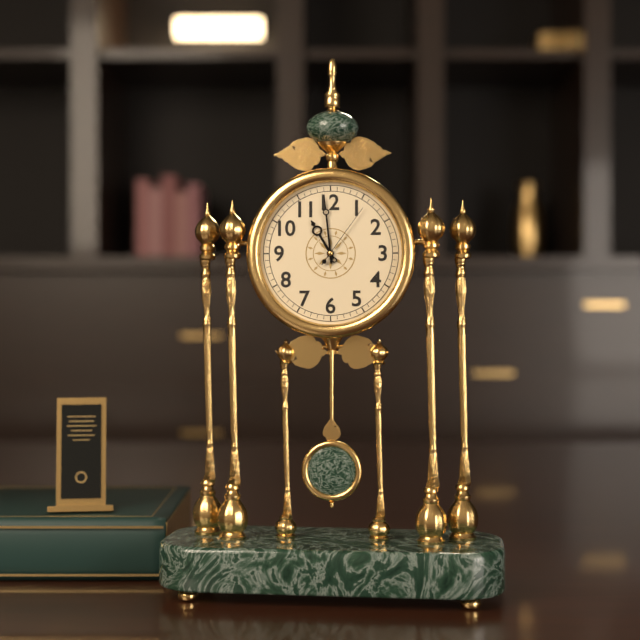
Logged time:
h=10 m=59 s=6
